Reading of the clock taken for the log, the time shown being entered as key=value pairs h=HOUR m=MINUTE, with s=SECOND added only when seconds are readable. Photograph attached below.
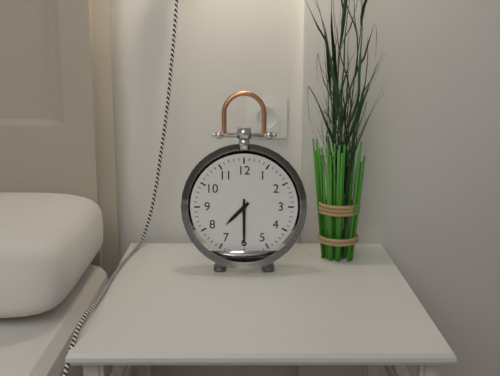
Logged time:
h=7 m=30
